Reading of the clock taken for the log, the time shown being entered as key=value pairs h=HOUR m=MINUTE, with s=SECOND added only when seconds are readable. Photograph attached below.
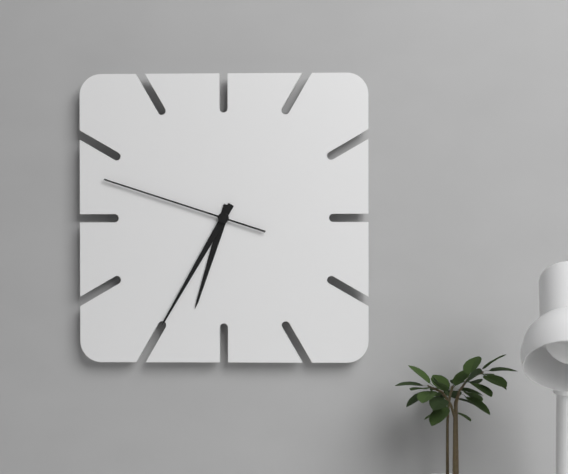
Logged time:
h=6 m=35 s=48
